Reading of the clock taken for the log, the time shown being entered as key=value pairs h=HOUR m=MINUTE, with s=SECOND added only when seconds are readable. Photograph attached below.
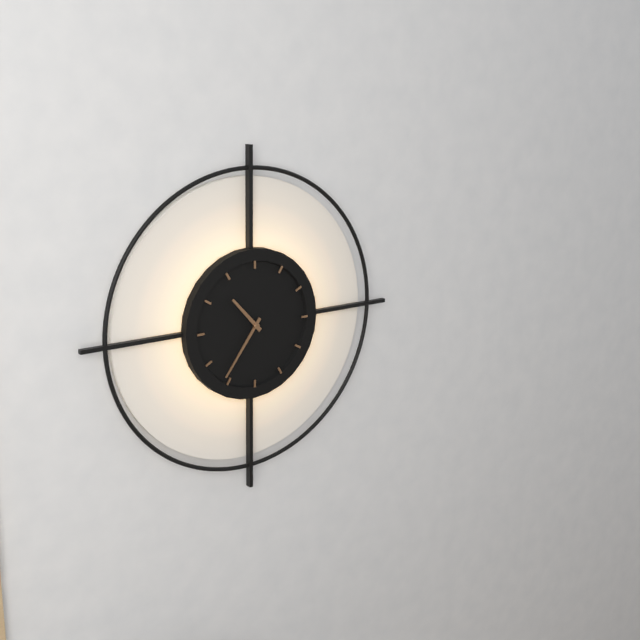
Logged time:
h=10 m=36
